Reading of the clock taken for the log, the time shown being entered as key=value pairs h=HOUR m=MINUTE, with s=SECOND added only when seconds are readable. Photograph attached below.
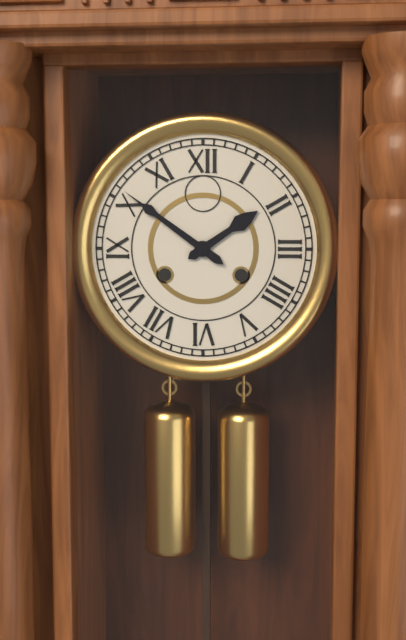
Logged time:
h=1 m=51
